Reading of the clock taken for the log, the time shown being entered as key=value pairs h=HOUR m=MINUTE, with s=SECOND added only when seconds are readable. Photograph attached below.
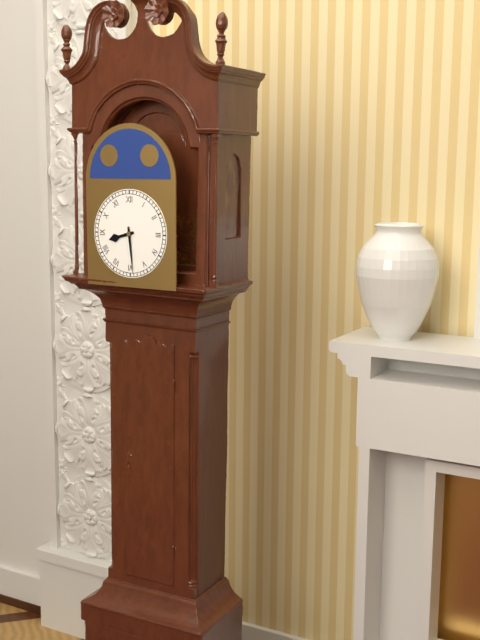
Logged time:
h=8 m=29
